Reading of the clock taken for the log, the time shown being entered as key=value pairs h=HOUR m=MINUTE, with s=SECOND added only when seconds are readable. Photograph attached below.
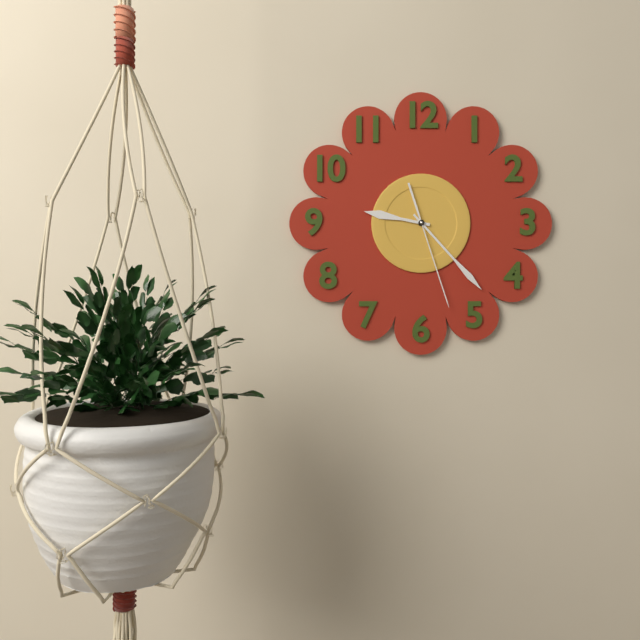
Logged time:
h=9 m=23 s=27
